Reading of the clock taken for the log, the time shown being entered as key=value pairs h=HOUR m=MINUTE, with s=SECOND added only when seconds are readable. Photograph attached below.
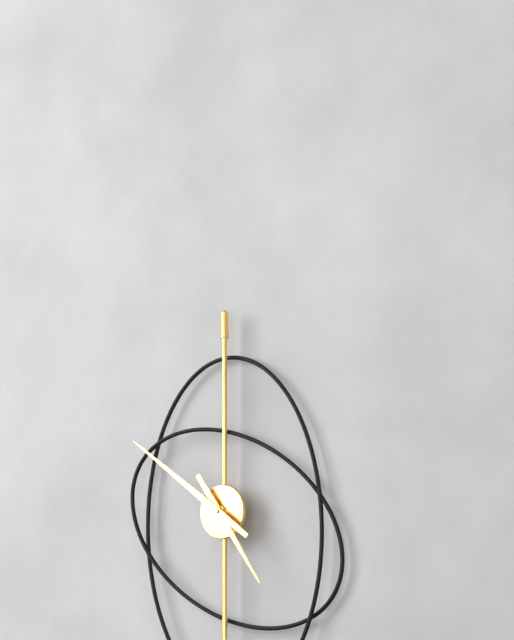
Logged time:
h=4 m=51
